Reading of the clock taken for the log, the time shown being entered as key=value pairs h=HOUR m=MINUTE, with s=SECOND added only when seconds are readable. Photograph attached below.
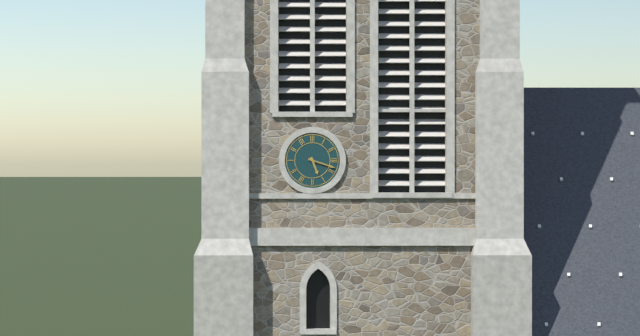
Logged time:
h=5 m=18
